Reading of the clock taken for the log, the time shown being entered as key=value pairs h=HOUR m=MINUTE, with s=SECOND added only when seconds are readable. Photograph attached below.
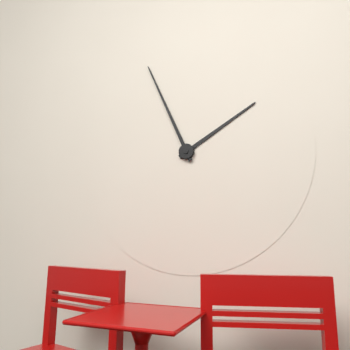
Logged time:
h=1 m=56
